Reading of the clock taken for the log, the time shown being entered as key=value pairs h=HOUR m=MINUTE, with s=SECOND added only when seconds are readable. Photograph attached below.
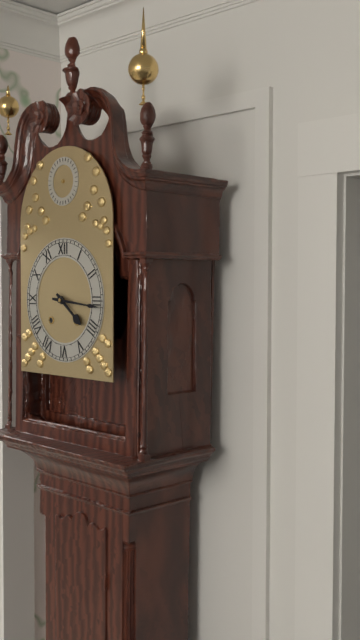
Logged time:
h=4 m=16
